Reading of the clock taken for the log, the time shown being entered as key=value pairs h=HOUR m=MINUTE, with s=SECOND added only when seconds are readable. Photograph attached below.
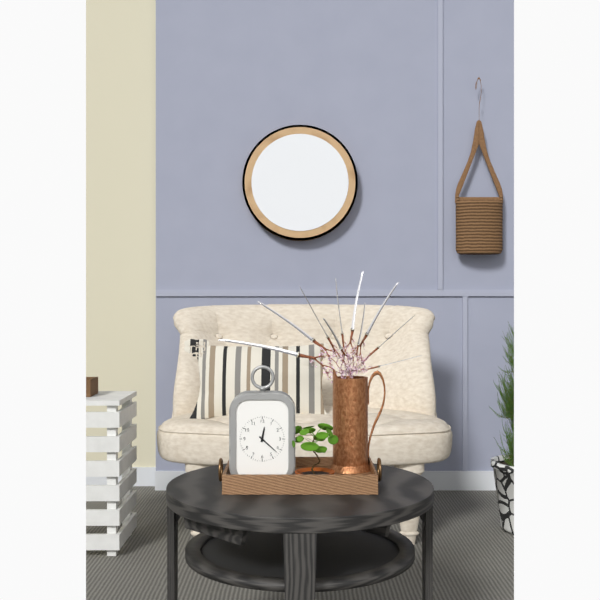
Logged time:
h=12 m=22
